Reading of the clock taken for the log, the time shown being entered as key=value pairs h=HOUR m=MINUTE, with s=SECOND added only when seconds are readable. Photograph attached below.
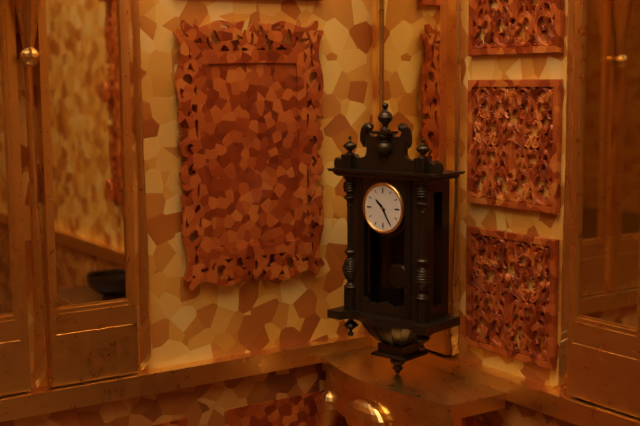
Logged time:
h=10 m=25
